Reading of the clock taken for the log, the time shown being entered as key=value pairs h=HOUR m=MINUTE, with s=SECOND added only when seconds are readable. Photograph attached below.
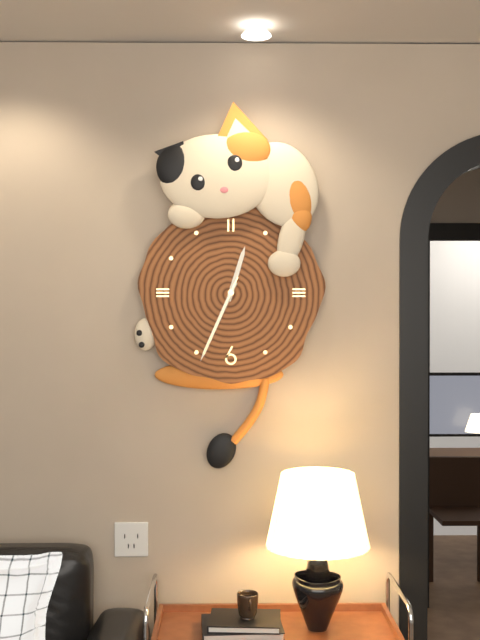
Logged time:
h=12 m=34 s=34
